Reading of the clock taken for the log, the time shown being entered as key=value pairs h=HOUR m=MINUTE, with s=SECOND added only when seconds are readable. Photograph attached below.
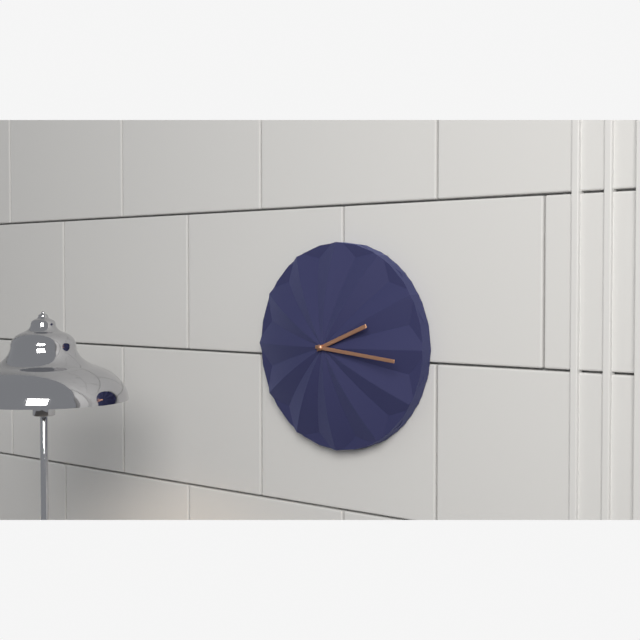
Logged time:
h=2 m=16
